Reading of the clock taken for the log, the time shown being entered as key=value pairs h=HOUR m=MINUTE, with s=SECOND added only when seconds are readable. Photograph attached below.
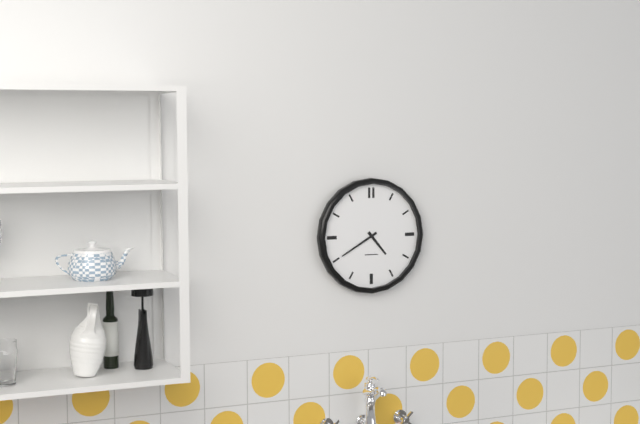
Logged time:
h=4 m=40
